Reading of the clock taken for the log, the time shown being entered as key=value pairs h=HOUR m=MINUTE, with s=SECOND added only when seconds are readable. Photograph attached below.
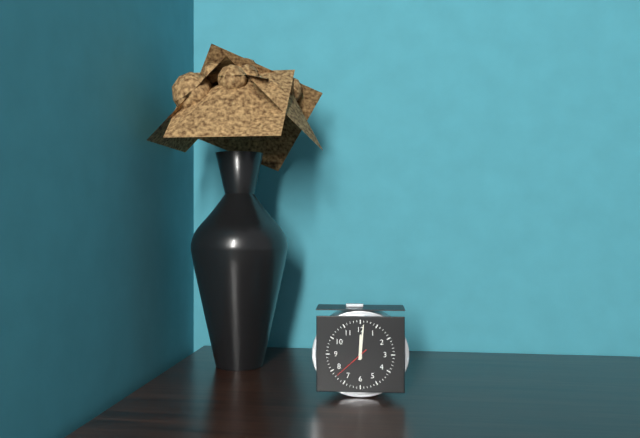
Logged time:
h=12 m=1
